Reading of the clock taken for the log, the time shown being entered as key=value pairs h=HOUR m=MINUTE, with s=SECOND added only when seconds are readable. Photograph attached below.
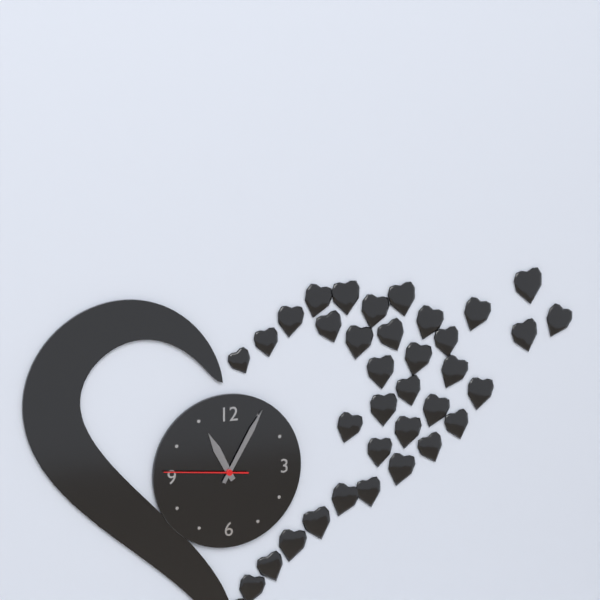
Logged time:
h=11 m=5 s=46
